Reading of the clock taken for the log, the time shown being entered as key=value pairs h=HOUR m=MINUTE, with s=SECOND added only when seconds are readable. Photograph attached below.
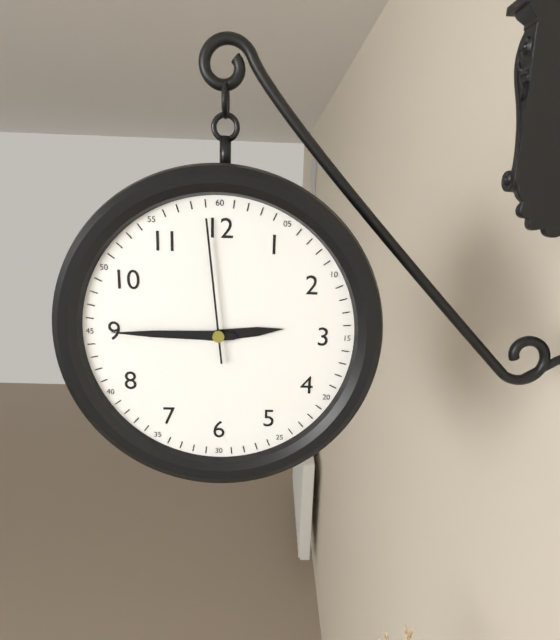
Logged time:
h=2 m=45 s=59
